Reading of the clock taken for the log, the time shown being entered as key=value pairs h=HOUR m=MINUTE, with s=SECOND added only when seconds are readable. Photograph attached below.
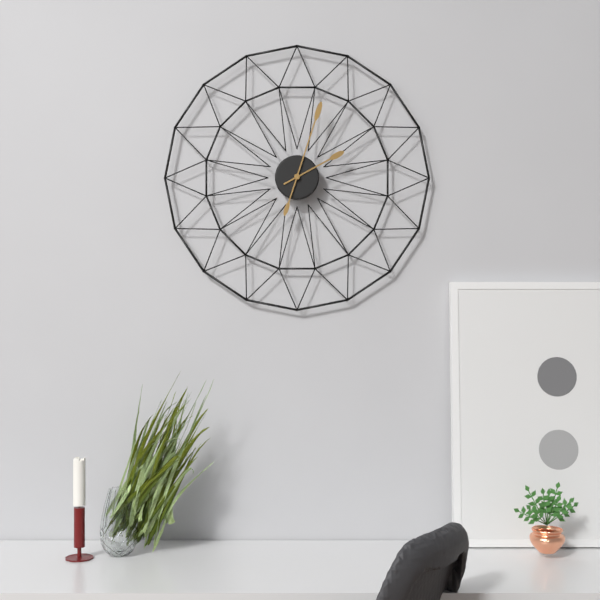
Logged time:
h=2 m=3
